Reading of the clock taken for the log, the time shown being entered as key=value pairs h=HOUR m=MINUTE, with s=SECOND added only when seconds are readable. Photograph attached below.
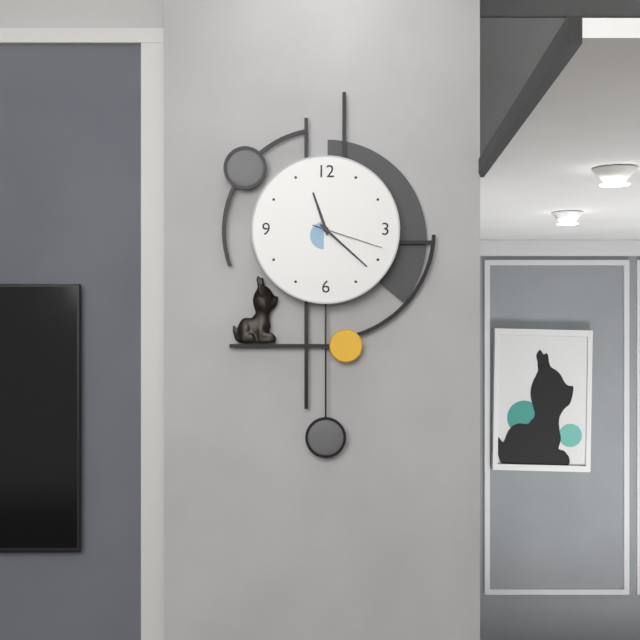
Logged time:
h=11 m=22 s=18
